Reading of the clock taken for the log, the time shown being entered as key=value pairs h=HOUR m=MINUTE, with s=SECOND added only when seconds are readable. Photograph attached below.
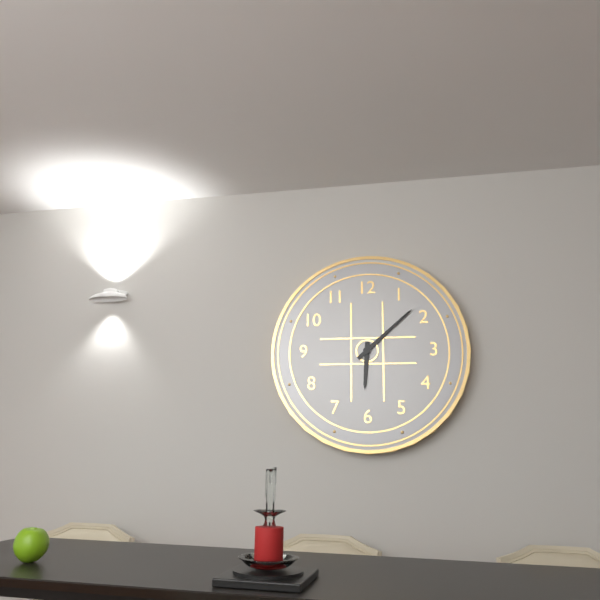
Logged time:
h=6 m=8
